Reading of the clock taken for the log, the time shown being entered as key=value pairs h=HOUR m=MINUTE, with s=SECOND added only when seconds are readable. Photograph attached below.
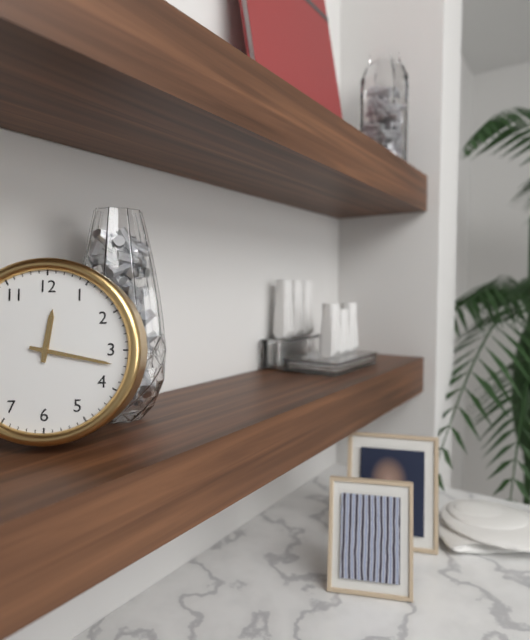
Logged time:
h=12 m=17
